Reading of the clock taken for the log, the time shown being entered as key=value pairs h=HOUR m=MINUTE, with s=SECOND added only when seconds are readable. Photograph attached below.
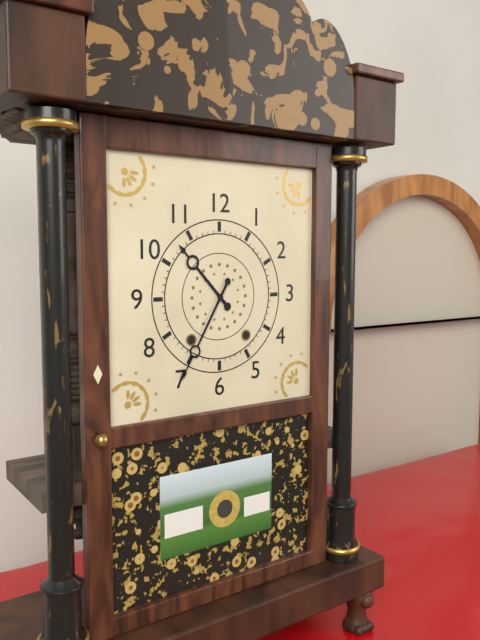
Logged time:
h=10 m=35
